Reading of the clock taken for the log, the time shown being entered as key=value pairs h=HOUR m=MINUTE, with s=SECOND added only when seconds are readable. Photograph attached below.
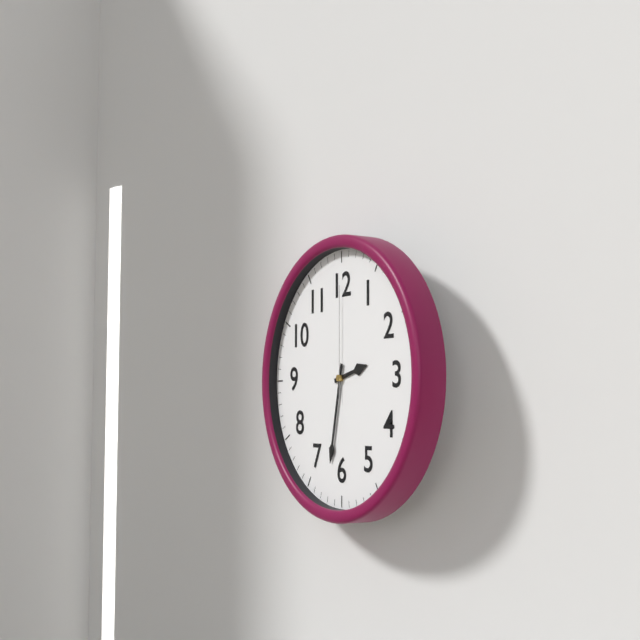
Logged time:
h=2 m=32 s=0
